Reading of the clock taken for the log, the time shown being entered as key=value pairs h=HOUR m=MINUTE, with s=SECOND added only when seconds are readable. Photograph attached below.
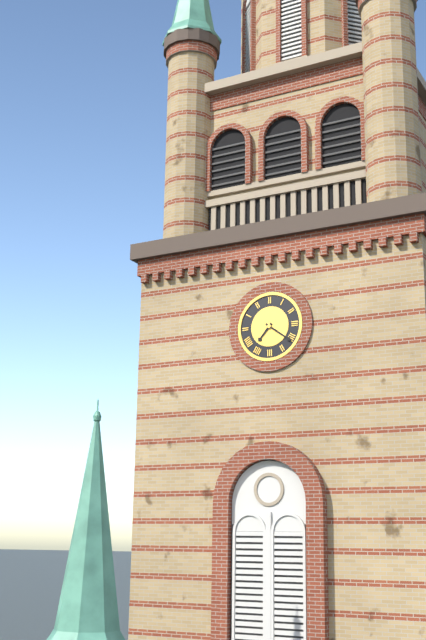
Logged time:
h=7 m=21
